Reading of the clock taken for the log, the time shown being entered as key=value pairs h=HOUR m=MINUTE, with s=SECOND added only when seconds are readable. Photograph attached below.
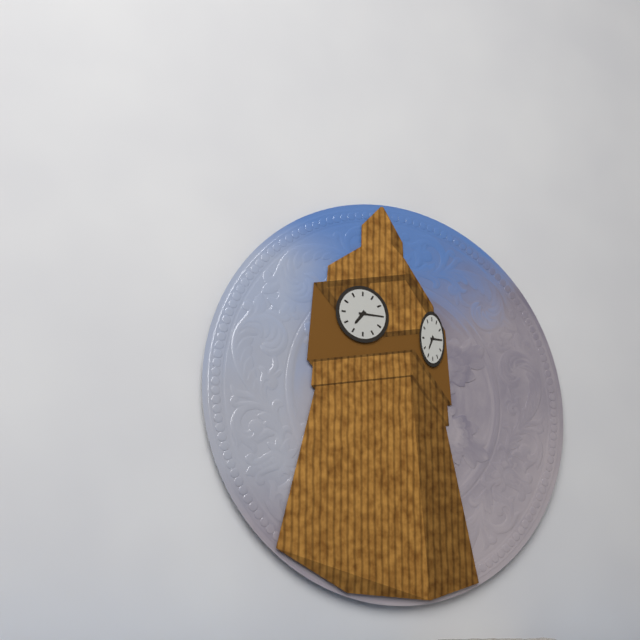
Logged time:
h=7 m=15
